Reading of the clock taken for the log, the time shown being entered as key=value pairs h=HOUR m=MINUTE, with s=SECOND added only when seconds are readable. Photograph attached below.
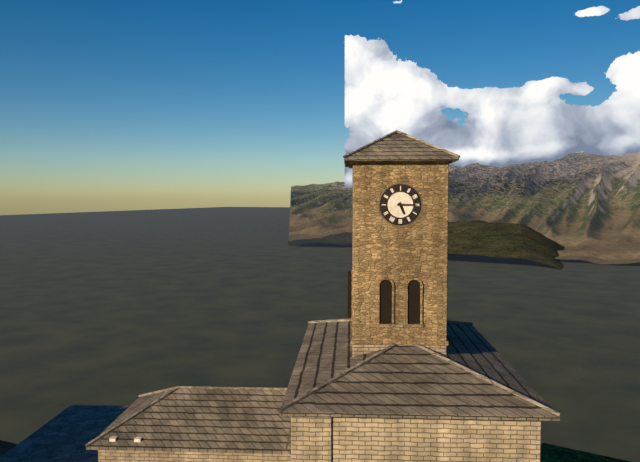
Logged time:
h=5 m=15
